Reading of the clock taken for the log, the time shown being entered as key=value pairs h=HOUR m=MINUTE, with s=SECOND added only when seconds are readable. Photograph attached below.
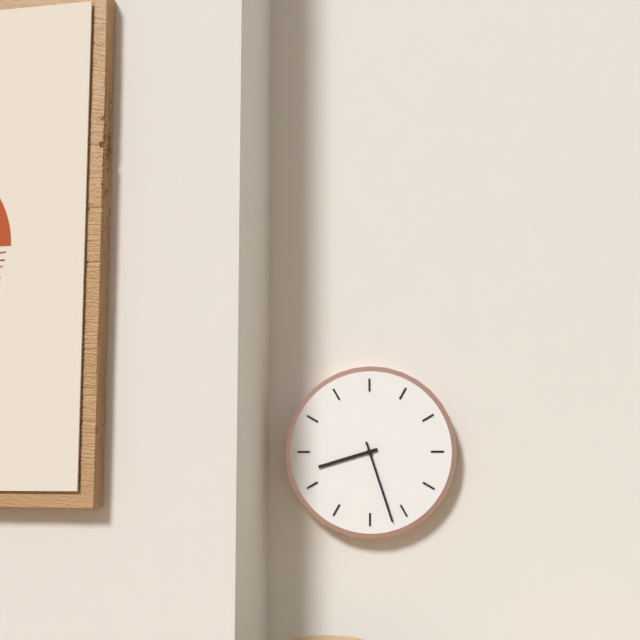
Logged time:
h=8 m=27
